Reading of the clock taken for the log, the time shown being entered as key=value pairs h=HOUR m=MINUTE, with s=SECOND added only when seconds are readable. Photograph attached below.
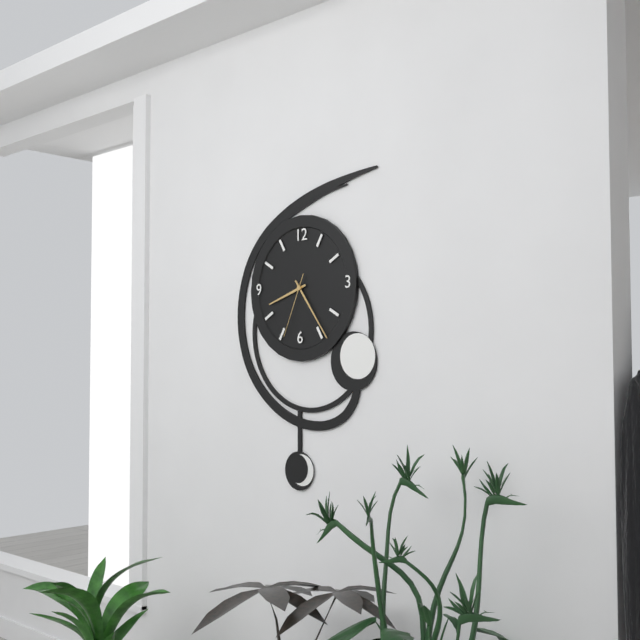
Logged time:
h=8 m=24 s=34
